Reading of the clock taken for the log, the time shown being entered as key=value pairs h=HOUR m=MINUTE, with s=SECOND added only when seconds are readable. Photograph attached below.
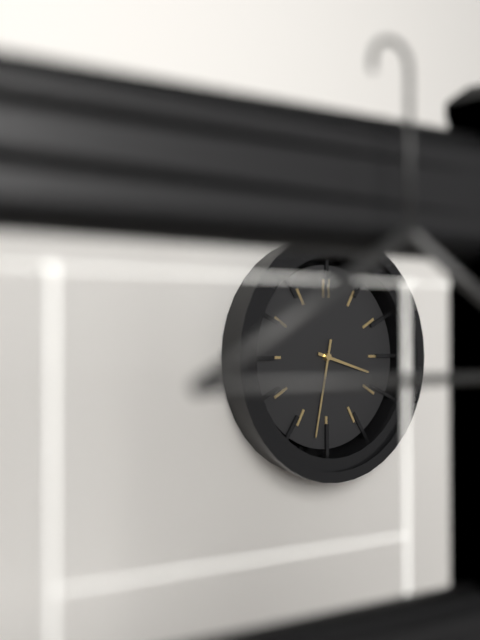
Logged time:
h=3 m=32
